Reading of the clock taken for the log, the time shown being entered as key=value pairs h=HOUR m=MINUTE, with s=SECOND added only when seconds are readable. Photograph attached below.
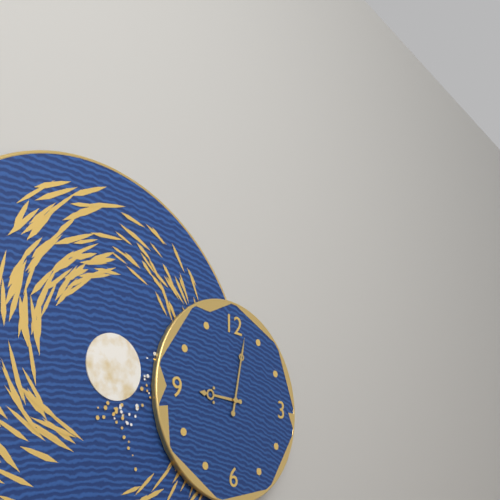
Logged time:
h=9 m=2
